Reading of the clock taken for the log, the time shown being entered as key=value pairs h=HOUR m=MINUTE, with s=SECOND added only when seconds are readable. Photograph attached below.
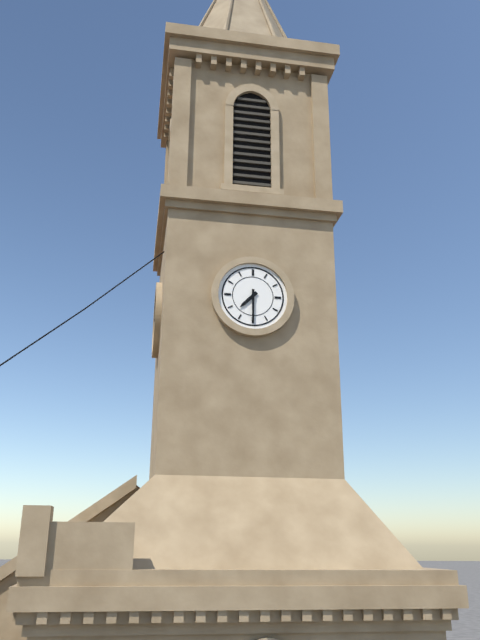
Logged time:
h=7 m=30
